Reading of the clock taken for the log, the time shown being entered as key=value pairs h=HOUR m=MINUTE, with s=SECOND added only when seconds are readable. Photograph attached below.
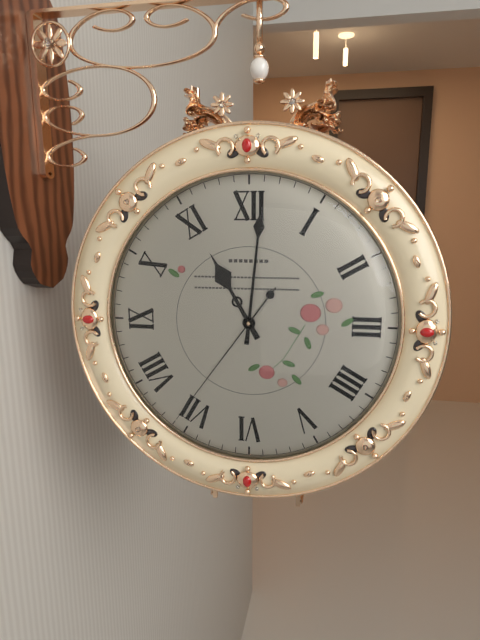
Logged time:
h=11 m=1 s=36
